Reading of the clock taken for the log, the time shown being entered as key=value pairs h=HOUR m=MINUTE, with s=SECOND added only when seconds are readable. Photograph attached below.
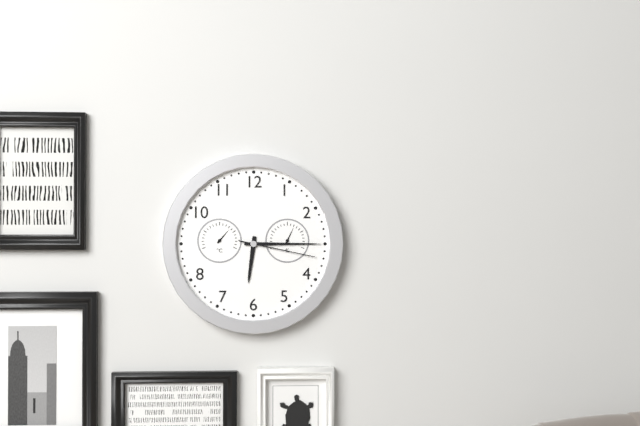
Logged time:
h=6 m=15 s=17
